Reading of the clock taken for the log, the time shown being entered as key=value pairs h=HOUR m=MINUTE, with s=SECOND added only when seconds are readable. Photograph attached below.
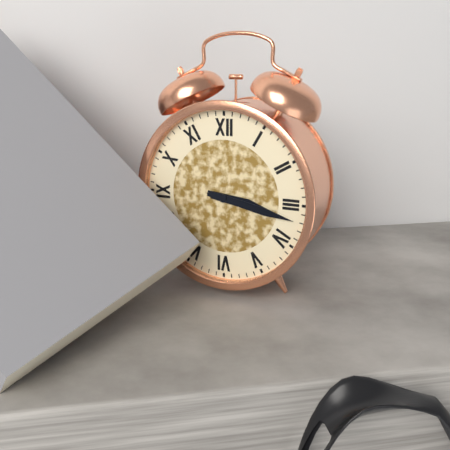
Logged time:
h=3 m=17
